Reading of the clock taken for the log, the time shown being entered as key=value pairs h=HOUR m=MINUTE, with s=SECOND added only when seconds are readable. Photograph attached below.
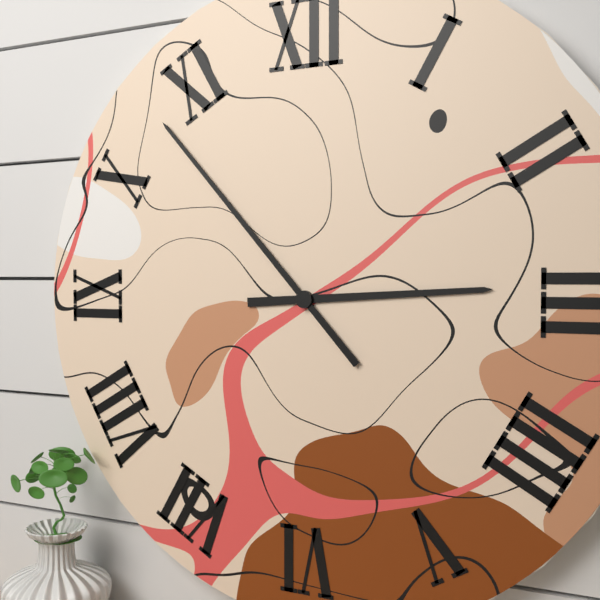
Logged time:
h=2 m=53
